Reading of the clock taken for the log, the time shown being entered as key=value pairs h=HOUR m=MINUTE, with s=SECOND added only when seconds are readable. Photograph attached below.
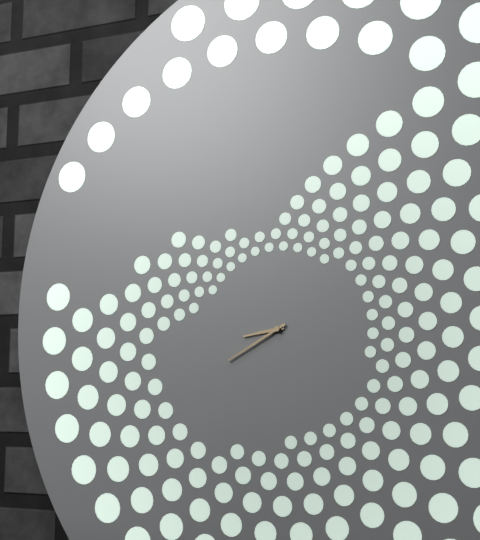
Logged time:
h=8 m=40
